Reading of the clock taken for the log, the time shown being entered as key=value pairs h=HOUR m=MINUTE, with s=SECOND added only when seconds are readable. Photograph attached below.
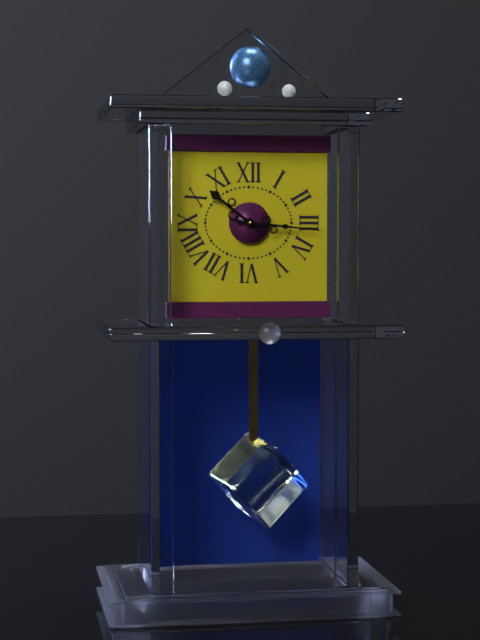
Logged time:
h=10 m=16
